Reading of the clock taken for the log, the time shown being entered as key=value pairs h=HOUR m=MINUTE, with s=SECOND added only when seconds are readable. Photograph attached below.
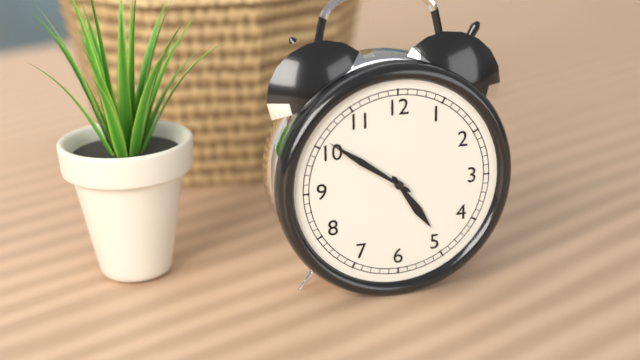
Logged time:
h=4 m=51
